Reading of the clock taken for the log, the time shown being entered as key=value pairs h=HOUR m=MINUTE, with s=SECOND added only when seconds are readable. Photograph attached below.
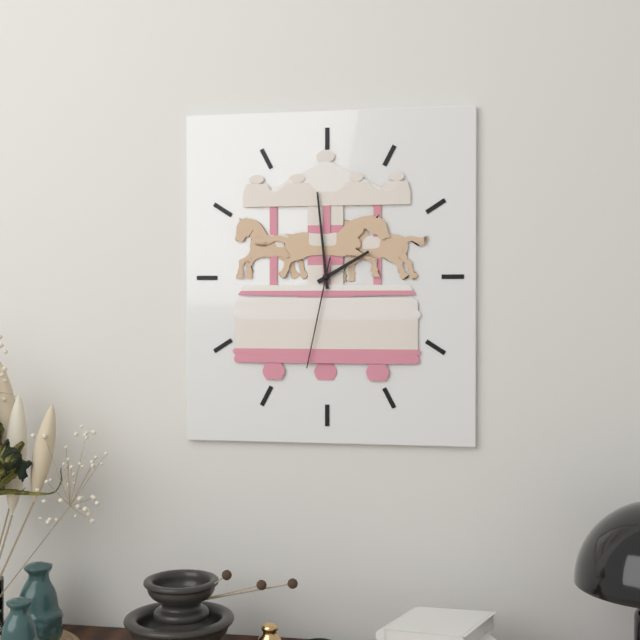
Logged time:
h=1 m=59 s=32
